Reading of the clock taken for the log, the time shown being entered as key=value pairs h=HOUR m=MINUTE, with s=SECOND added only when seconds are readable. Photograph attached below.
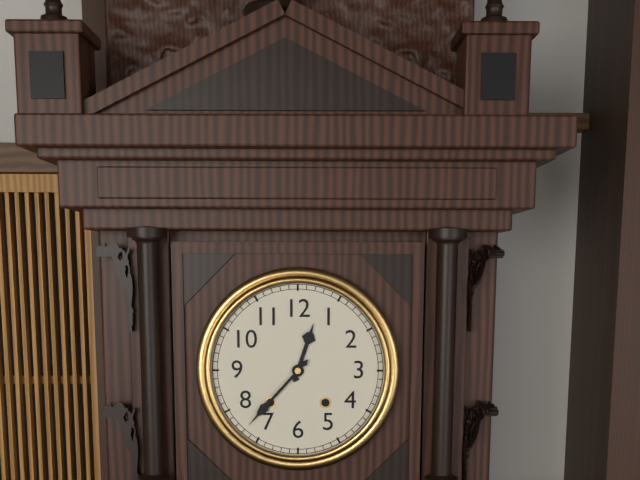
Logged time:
h=12 m=37
